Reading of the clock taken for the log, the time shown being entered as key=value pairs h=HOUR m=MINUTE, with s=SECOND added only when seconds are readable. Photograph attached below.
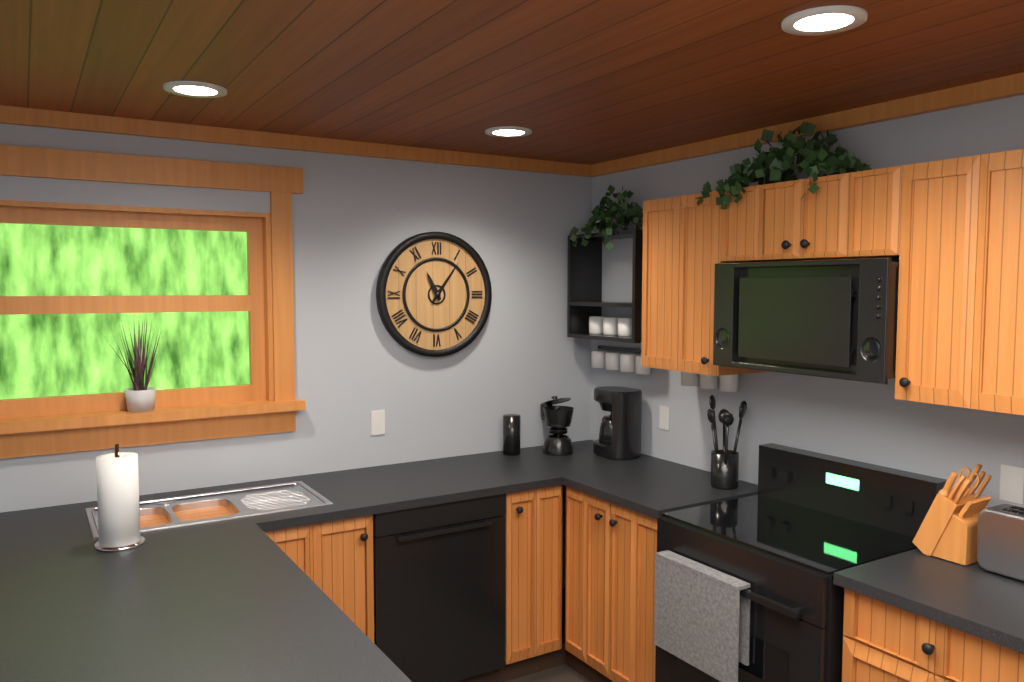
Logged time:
h=11 m=6
